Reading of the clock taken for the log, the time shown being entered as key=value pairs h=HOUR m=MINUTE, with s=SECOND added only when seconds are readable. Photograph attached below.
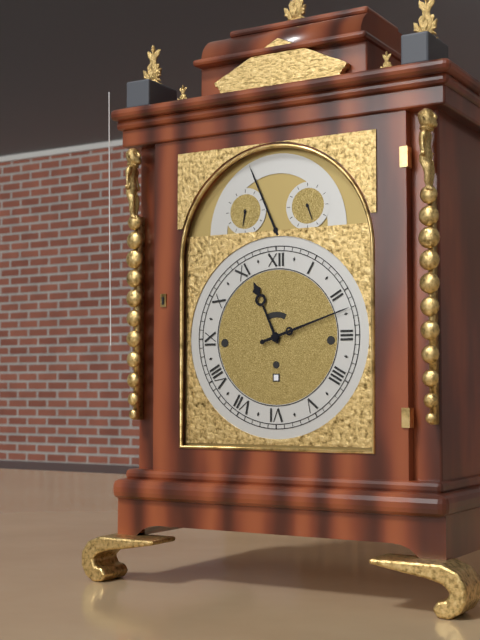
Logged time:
h=11 m=12
